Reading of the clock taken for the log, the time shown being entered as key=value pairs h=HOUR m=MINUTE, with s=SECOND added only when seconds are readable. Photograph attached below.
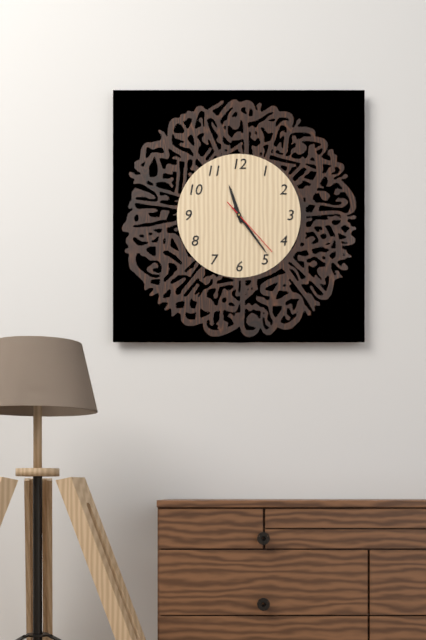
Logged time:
h=11 m=24 s=23
